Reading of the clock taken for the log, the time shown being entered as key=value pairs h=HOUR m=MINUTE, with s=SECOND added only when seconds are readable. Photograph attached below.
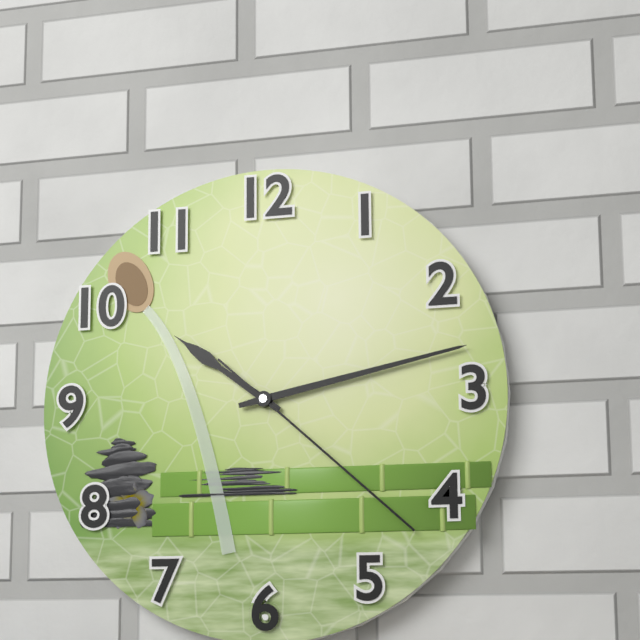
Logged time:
h=10 m=13 s=22
